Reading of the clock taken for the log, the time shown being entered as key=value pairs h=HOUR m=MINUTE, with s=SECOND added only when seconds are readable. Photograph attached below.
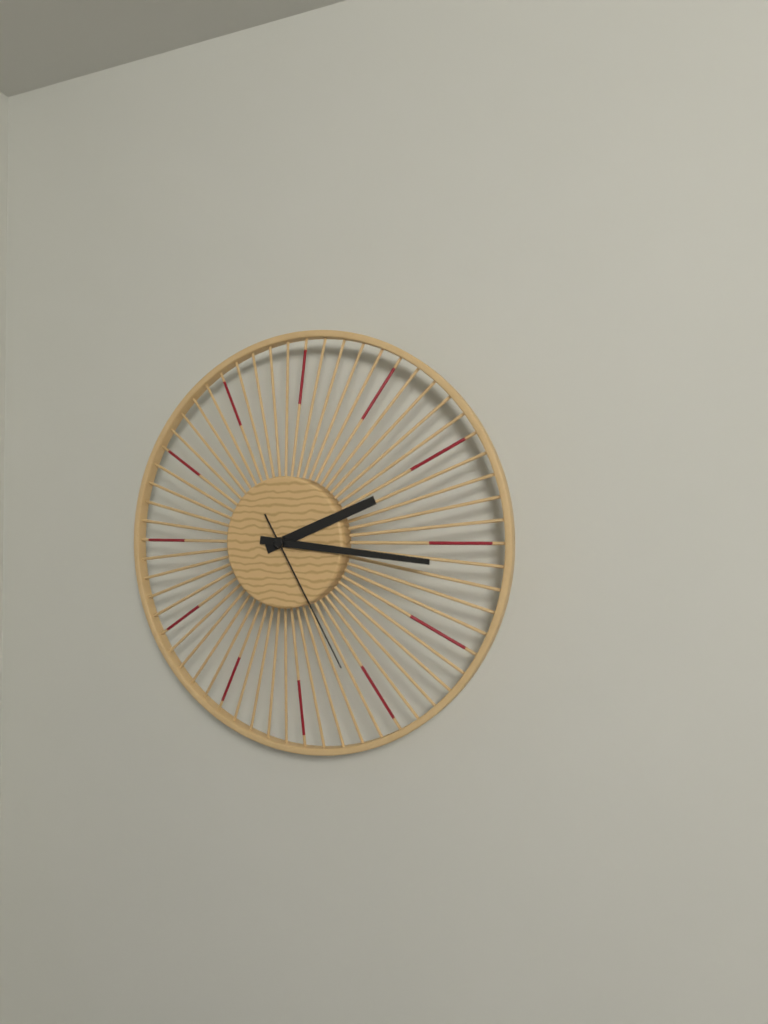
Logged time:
h=2 m=16 s=25
